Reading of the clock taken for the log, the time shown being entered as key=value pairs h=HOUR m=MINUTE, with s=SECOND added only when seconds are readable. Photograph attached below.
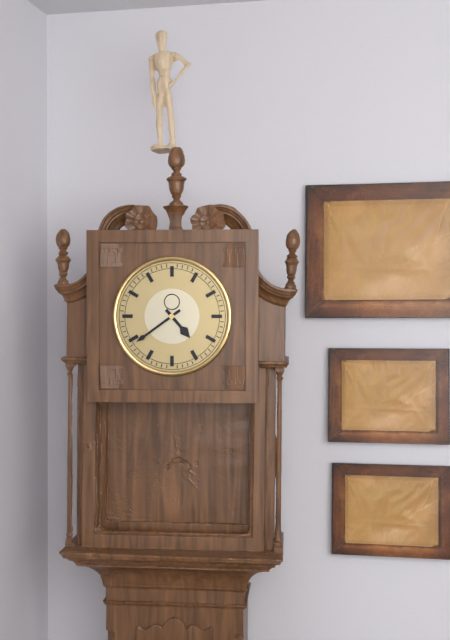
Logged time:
h=4 m=39
